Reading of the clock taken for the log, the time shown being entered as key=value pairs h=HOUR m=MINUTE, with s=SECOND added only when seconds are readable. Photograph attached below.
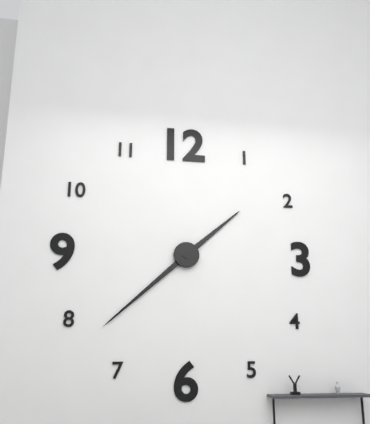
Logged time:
h=1 m=38
